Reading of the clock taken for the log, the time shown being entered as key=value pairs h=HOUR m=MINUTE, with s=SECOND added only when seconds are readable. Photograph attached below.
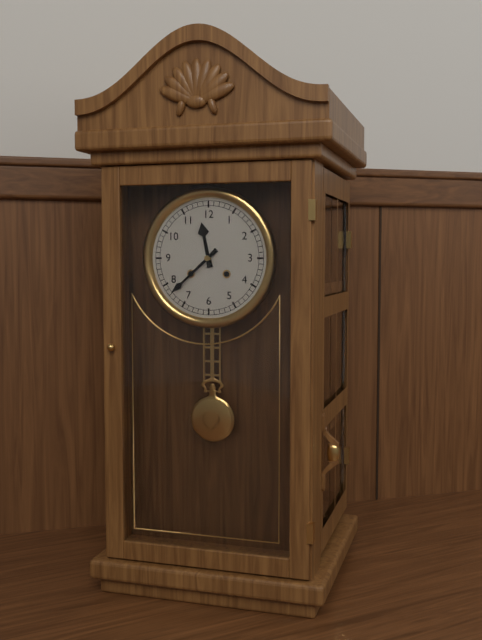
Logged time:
h=11 m=38
